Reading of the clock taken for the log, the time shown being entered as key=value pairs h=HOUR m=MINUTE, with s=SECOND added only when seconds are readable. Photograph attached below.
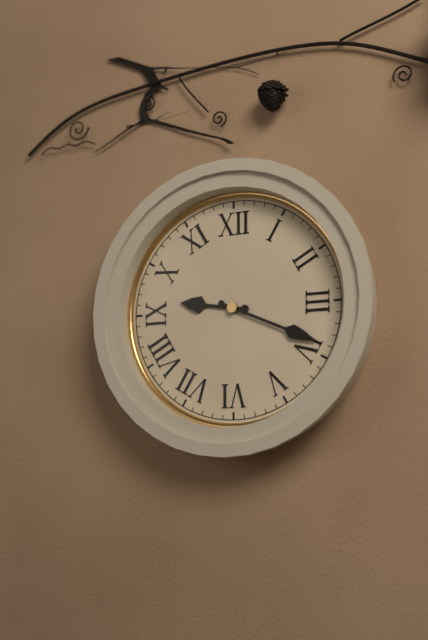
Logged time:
h=9 m=19
